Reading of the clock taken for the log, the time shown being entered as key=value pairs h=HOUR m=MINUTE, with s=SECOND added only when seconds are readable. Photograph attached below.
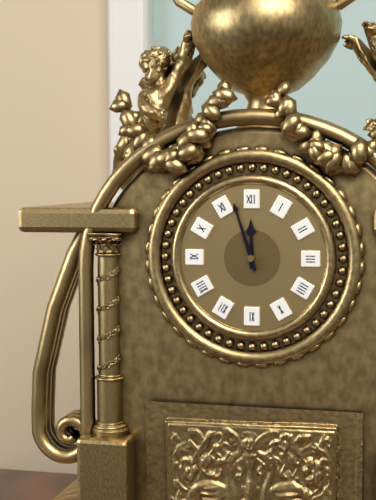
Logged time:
h=11 m=57
